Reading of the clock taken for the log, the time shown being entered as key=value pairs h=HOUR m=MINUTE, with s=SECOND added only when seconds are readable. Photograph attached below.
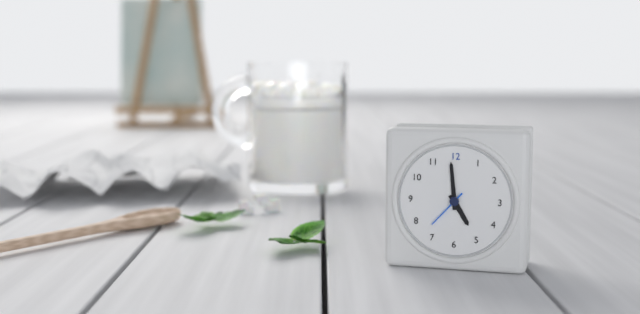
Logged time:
h=4 m=59
